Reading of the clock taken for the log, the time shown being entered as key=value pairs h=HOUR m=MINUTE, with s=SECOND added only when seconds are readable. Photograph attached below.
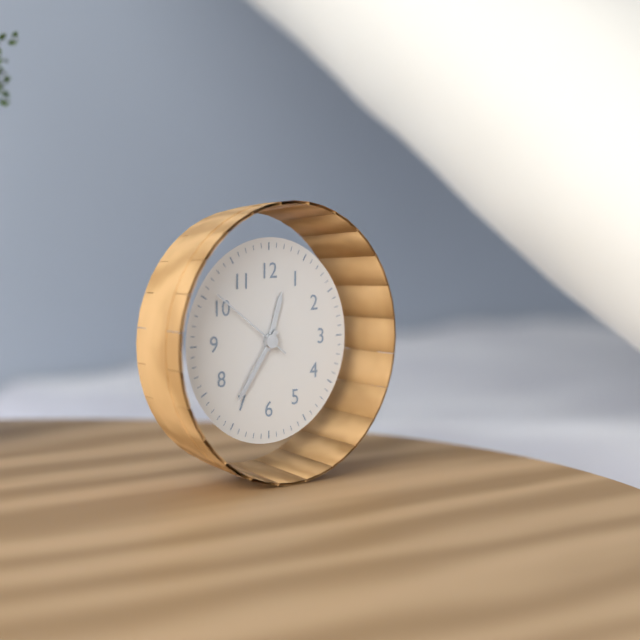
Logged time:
h=12 m=36 s=51
